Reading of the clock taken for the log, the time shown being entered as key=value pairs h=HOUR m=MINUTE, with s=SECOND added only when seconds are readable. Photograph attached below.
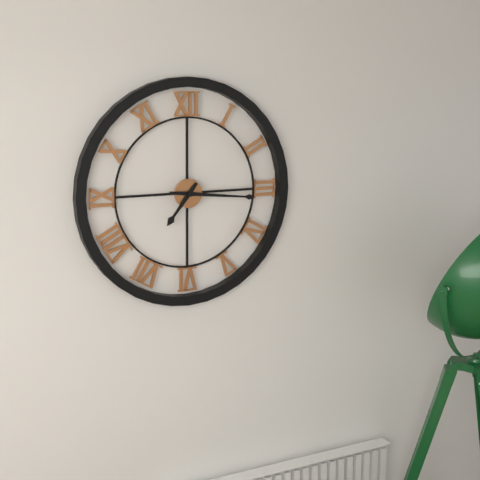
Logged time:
h=7 m=16
